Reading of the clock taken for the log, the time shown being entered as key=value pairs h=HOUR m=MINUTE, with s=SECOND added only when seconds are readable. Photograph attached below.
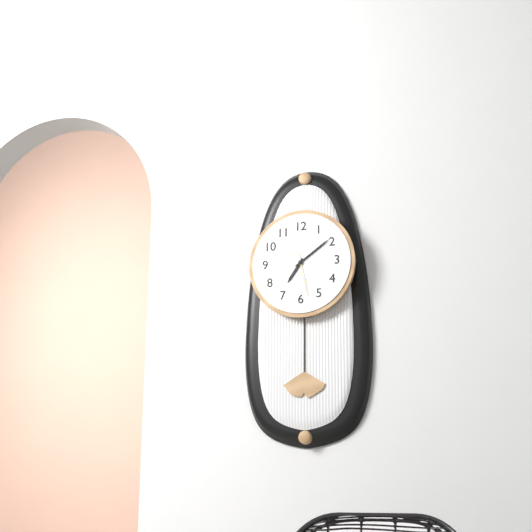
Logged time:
h=7 m=9
